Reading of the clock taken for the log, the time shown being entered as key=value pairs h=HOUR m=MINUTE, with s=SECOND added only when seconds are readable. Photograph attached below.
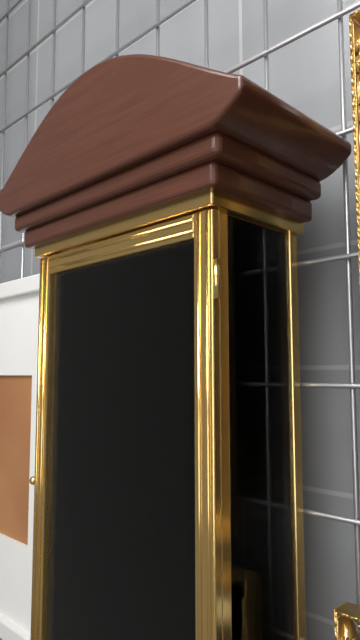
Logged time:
h=12 m=57
